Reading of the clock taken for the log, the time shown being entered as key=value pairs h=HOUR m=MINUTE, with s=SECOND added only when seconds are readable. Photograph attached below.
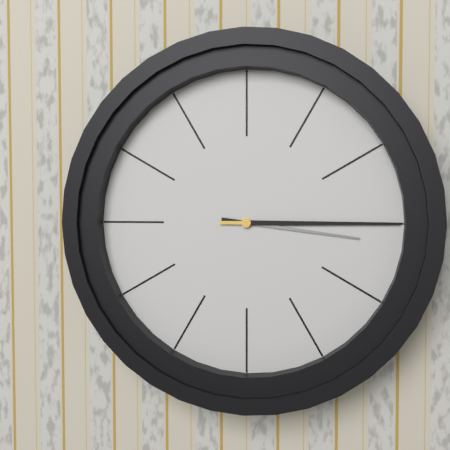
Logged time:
h=3 m=15
